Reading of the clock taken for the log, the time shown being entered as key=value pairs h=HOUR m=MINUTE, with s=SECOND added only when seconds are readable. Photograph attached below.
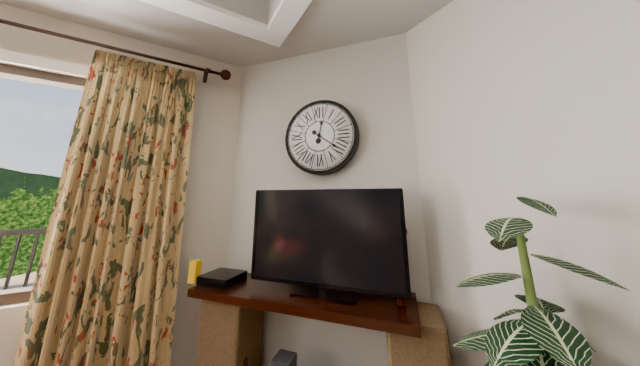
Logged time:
h=12 m=21
